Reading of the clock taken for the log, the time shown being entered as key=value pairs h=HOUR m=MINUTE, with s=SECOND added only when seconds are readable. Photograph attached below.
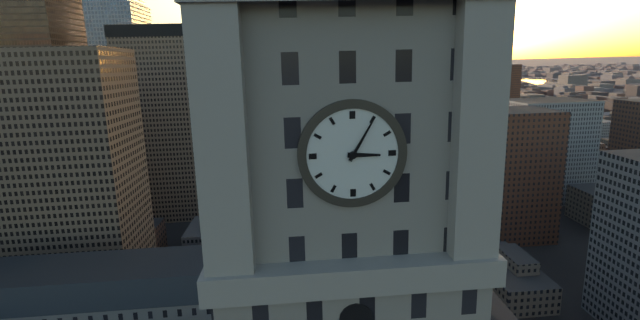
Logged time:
h=3 m=5
